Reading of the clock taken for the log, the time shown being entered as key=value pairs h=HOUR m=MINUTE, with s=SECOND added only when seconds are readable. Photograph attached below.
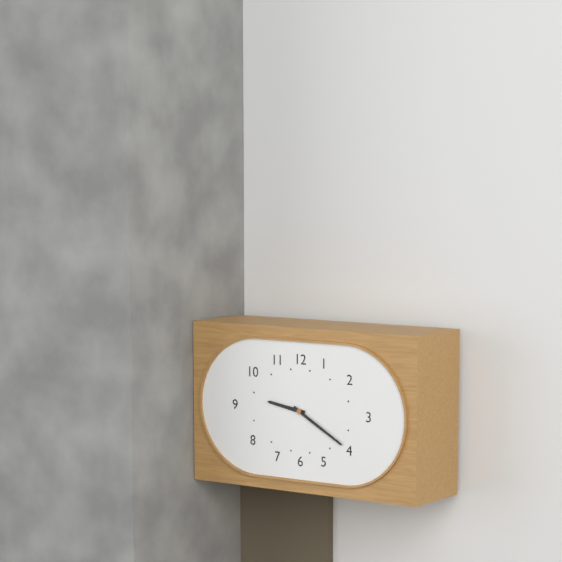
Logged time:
h=9 m=20
